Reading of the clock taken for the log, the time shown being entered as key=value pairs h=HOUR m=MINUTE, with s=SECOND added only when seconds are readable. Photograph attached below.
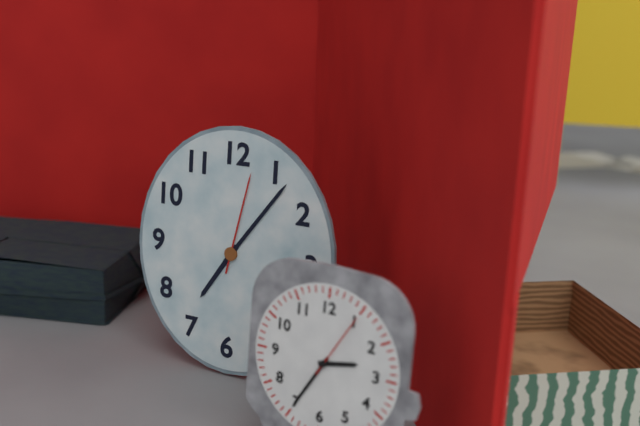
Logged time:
h=7 m=6 s=2
